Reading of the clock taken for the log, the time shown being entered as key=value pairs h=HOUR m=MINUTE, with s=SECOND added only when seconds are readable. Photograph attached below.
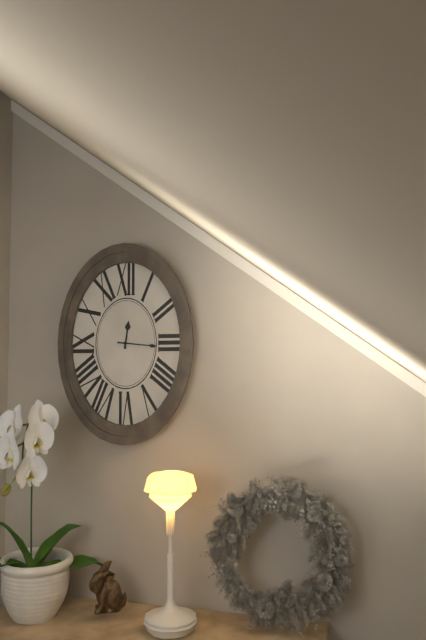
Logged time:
h=12 m=16
